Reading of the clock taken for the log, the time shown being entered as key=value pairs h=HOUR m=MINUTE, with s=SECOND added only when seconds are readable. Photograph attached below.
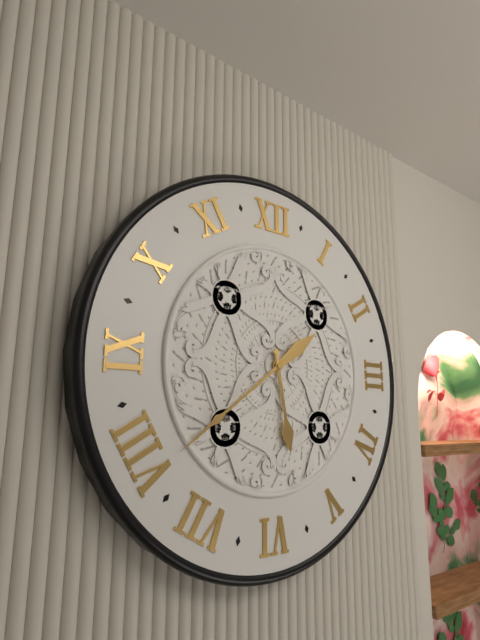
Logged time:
h=5 m=39
